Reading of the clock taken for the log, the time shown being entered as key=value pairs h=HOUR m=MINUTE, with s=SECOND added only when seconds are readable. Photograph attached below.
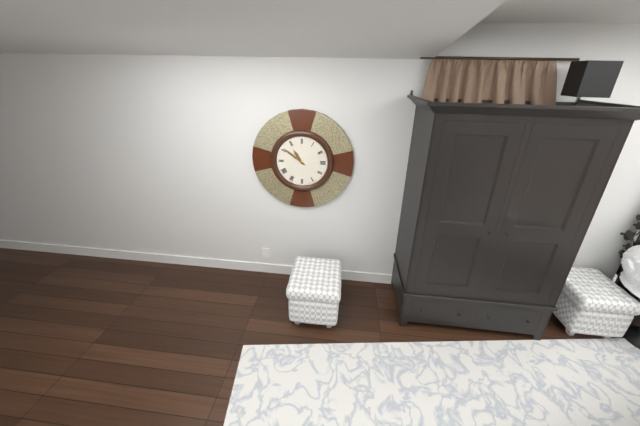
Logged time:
h=10 m=51
